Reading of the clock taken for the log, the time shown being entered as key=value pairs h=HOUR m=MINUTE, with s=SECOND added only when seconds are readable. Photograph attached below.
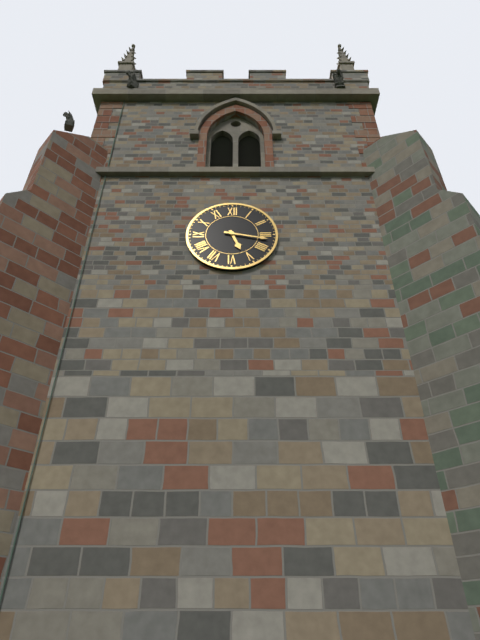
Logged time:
h=5 m=17
